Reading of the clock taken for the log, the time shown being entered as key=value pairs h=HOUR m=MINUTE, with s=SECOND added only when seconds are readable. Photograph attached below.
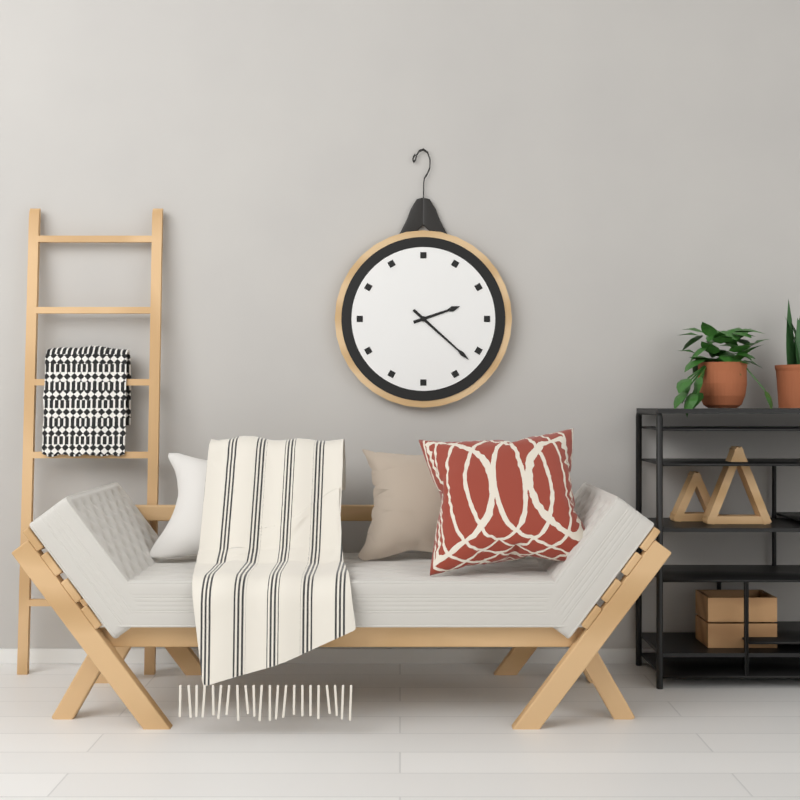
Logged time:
h=2 m=22
